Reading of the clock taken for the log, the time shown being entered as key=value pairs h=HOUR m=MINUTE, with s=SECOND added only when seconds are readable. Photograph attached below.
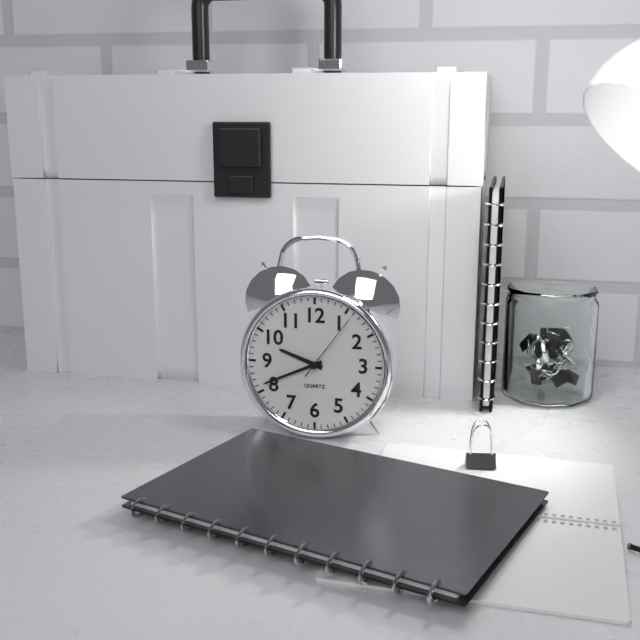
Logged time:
h=9 m=41 s=6
